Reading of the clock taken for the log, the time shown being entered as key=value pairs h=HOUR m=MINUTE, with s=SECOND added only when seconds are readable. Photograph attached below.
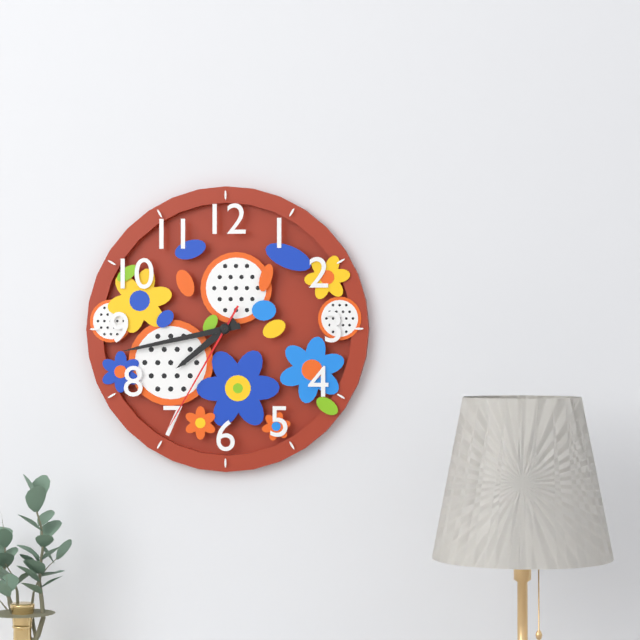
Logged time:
h=7 m=43 s=35
